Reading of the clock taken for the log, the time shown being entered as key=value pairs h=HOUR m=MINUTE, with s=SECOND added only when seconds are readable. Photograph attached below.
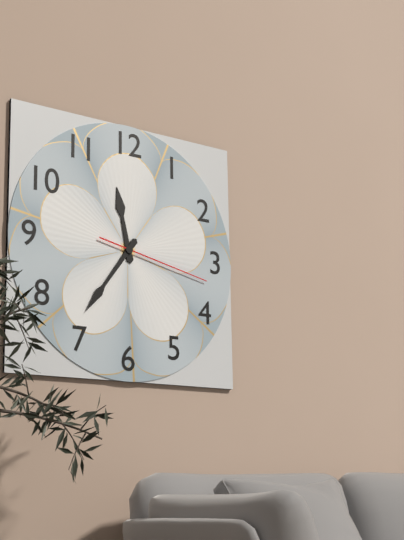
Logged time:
h=11 m=36 s=17
